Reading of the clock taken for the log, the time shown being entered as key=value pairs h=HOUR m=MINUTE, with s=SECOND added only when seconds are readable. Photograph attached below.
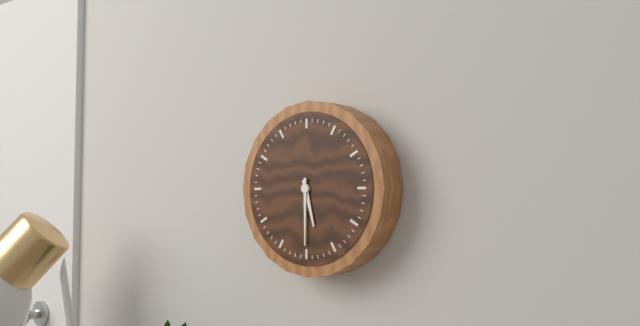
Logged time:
h=5 m=30
